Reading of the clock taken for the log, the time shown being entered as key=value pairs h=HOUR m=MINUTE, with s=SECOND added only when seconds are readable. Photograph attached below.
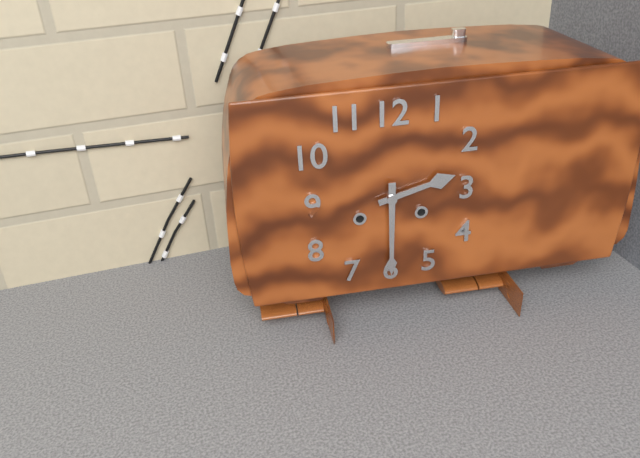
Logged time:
h=2 m=30
